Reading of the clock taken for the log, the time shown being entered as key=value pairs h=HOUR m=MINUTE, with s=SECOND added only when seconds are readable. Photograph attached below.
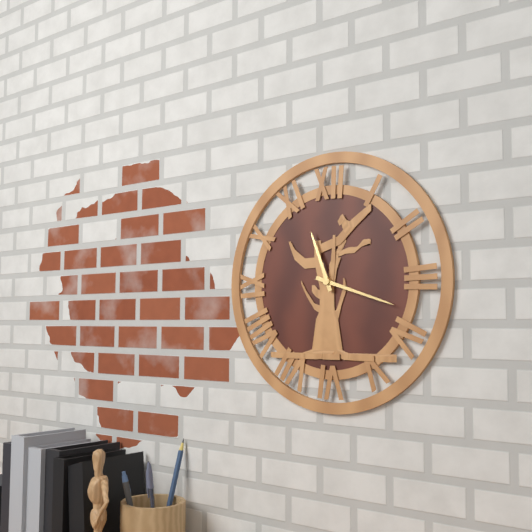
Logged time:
h=11 m=18
